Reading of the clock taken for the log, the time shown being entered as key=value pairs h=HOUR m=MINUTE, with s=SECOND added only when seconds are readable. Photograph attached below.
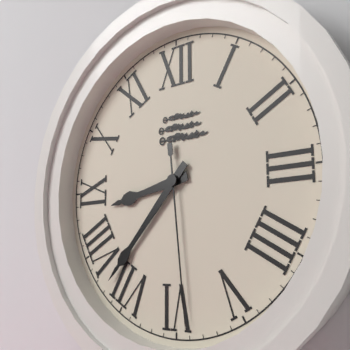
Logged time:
h=8 m=37 s=29
